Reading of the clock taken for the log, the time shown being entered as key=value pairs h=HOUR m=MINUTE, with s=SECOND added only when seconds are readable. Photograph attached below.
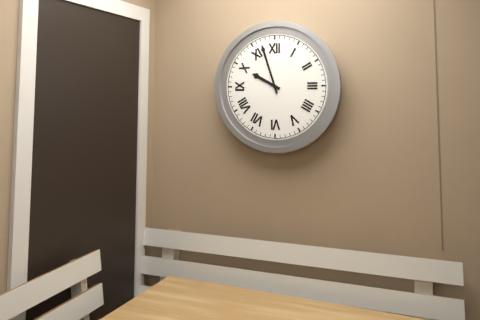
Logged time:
h=9 m=57
